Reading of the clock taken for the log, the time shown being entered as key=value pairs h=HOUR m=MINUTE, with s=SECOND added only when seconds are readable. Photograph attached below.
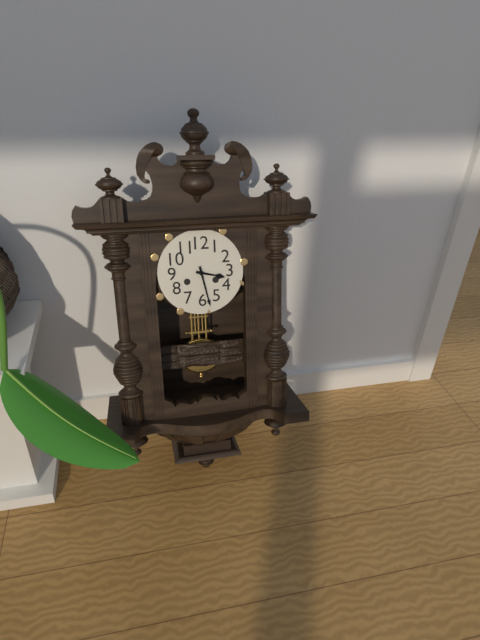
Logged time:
h=3 m=28
